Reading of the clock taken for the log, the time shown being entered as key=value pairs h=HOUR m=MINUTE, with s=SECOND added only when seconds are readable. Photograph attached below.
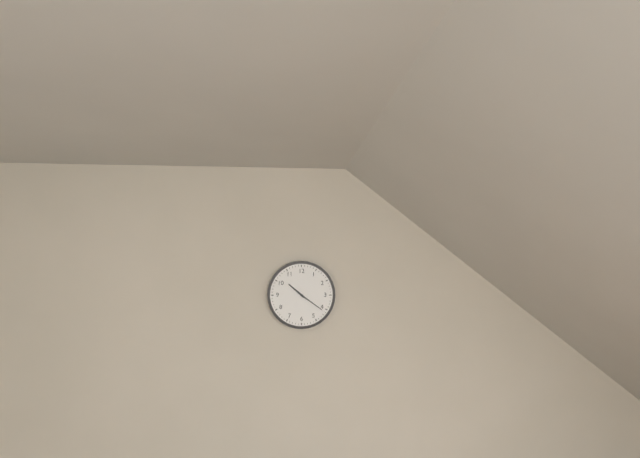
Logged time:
h=10 m=21
